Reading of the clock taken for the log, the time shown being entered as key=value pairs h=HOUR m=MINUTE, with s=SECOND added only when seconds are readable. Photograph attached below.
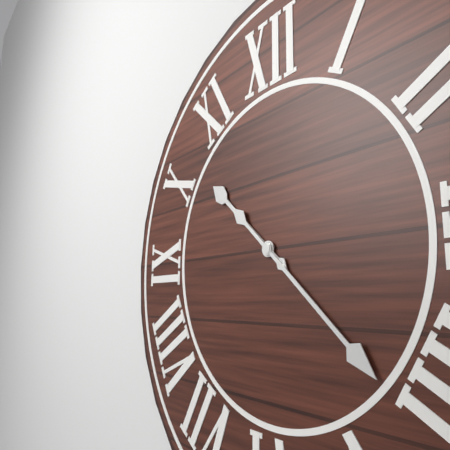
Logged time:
h=10 m=22
